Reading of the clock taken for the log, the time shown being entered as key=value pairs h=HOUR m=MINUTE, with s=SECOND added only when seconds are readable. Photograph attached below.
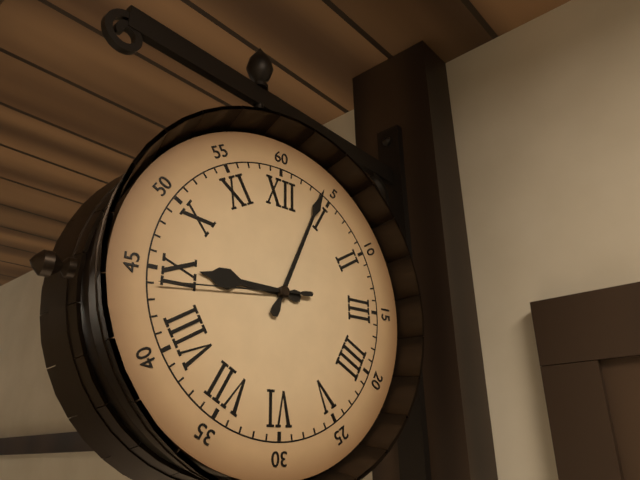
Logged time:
h=9 m=4 s=44
